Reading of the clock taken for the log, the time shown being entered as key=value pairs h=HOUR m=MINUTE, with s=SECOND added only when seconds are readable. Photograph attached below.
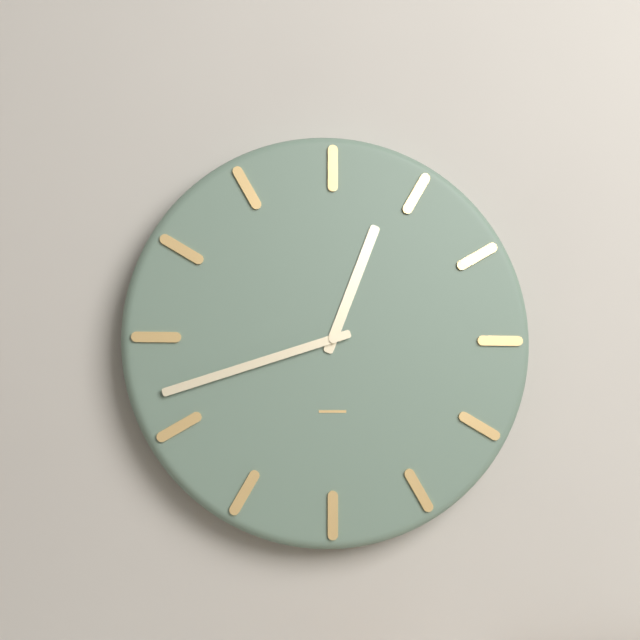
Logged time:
h=12 m=42
